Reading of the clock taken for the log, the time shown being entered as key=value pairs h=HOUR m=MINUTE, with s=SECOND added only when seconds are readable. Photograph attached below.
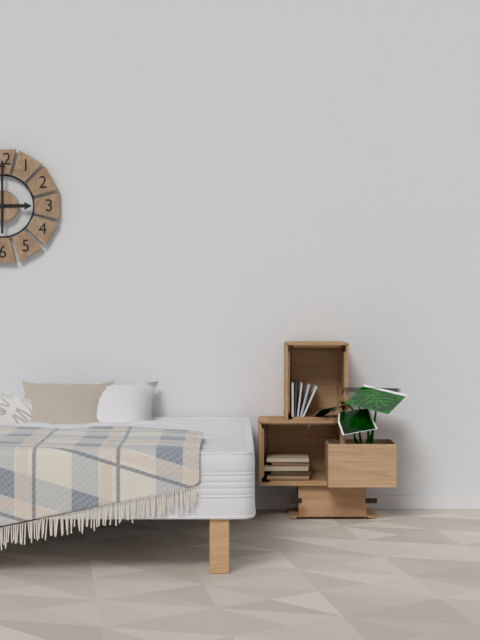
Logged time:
h=3 m=0
